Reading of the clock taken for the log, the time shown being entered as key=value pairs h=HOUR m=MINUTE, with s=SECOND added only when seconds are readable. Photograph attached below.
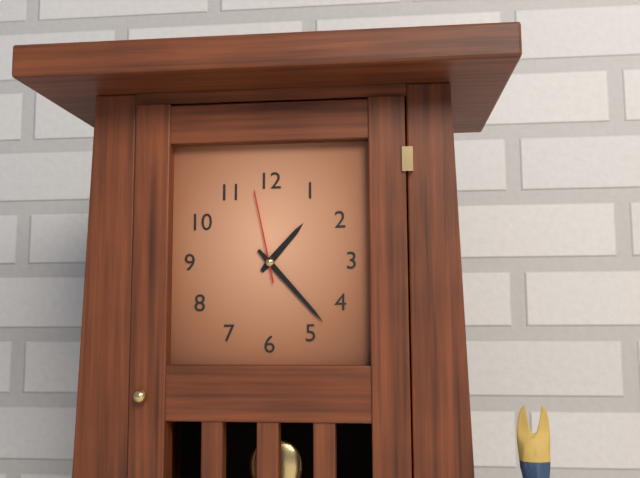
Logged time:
h=1 m=23 s=58
